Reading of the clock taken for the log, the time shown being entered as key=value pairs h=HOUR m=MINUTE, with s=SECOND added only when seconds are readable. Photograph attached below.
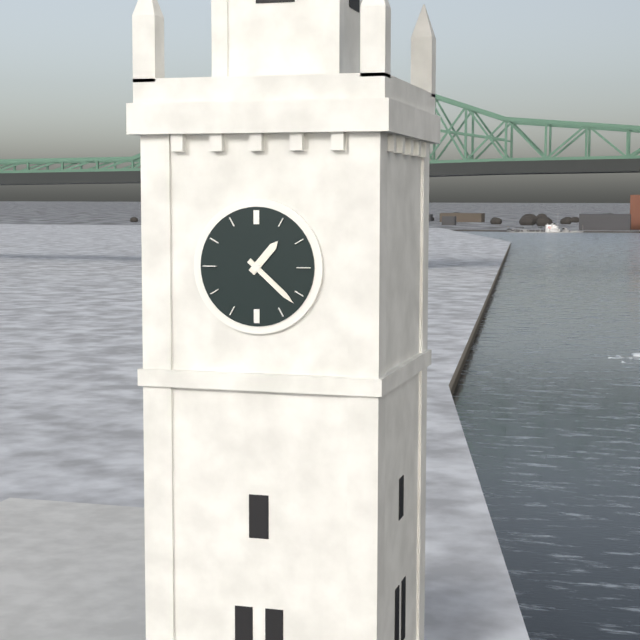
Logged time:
h=1 m=22
